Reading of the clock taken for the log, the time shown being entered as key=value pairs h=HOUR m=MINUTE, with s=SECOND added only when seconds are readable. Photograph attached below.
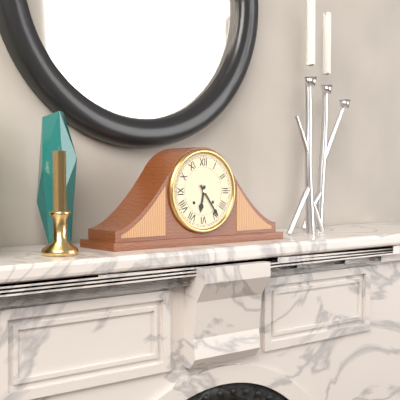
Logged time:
h=6 m=24
